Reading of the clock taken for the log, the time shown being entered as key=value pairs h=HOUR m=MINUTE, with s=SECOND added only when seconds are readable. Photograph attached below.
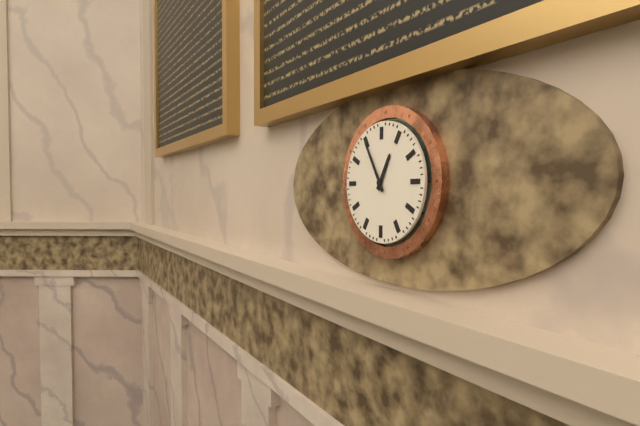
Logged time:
h=12 m=55
